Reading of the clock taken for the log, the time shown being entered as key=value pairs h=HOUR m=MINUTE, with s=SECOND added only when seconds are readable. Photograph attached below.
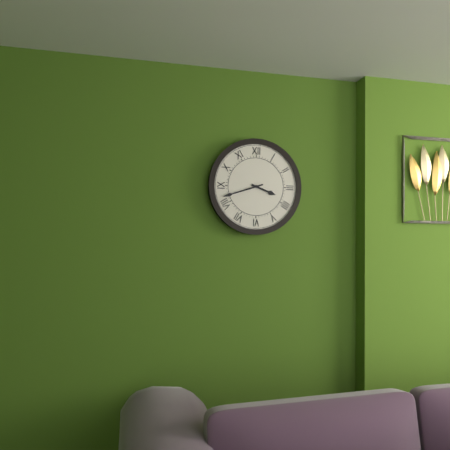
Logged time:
h=3 m=42
